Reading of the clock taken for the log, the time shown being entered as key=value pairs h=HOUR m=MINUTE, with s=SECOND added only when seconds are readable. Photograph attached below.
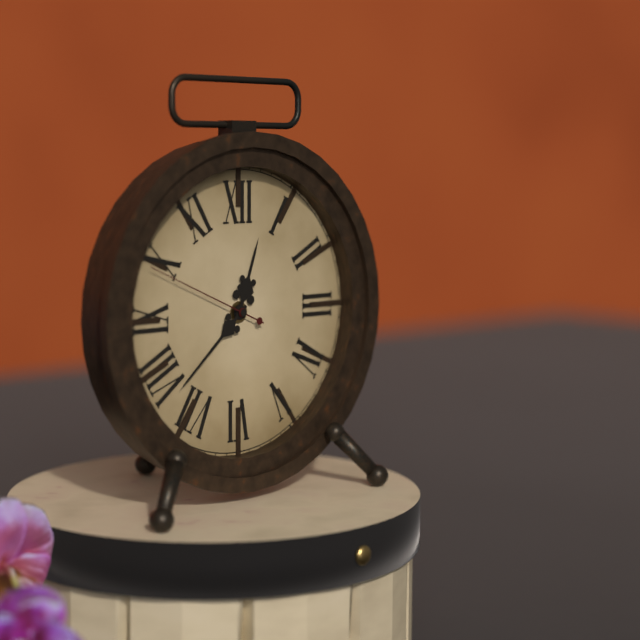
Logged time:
h=12 m=38 s=49
